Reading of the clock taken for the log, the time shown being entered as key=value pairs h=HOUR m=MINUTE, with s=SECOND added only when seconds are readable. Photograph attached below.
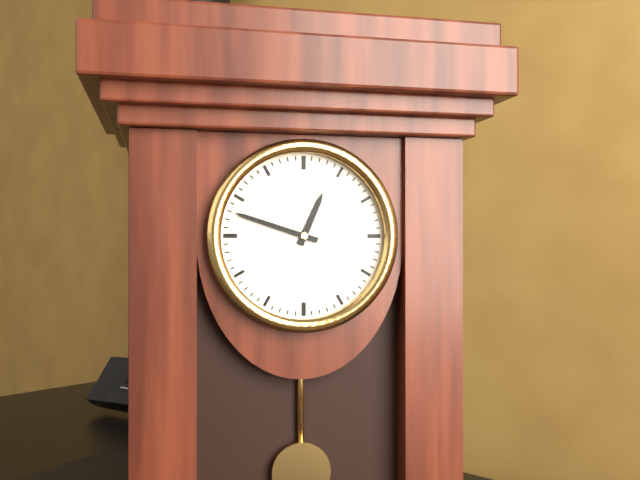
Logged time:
h=12 m=48
